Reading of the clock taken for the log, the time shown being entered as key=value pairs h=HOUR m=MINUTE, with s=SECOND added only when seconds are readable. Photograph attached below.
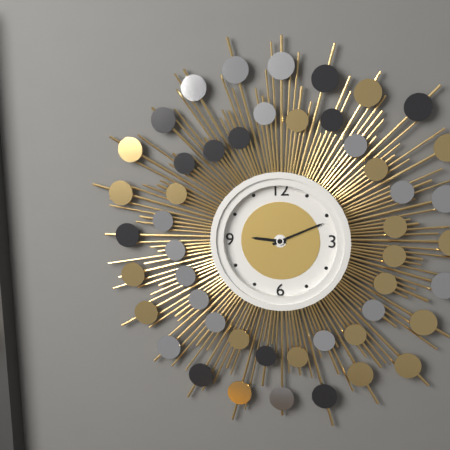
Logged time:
h=9 m=11
